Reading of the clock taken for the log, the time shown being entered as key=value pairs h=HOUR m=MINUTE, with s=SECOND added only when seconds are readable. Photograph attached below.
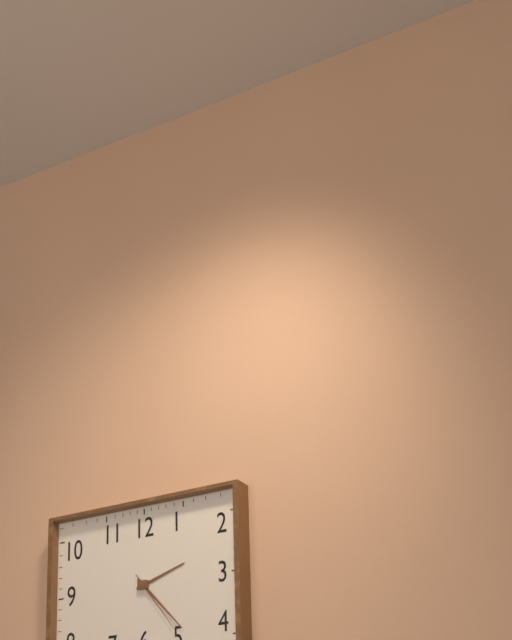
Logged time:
h=2 m=23 s=24
